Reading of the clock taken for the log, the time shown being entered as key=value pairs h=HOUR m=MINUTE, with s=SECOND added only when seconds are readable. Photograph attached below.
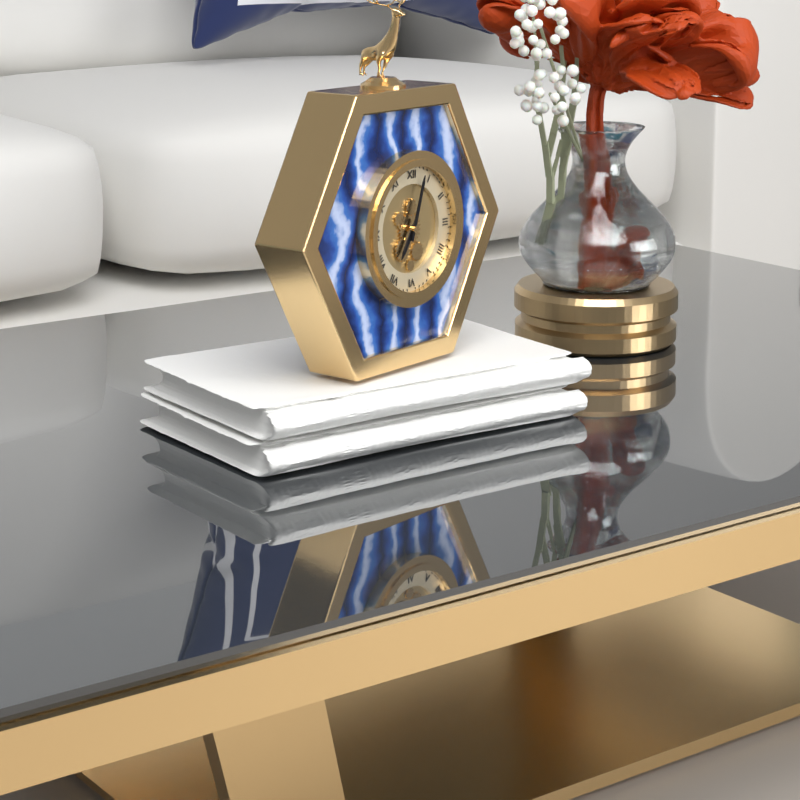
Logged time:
h=7 m=3
